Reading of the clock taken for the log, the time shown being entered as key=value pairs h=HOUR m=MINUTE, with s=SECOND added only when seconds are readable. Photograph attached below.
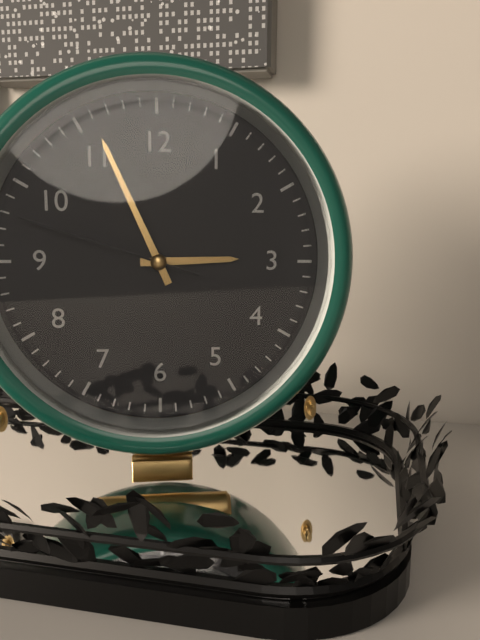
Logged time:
h=2 m=56 s=48
